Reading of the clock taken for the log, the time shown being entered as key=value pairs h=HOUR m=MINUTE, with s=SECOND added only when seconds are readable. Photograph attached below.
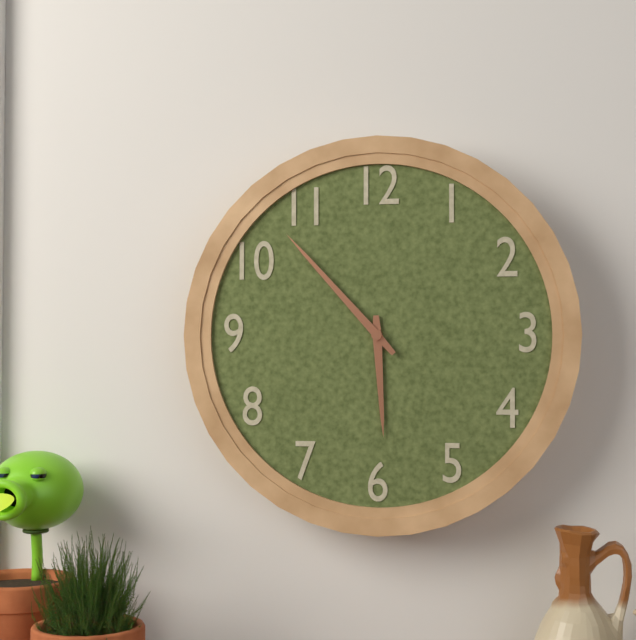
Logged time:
h=5 m=53
